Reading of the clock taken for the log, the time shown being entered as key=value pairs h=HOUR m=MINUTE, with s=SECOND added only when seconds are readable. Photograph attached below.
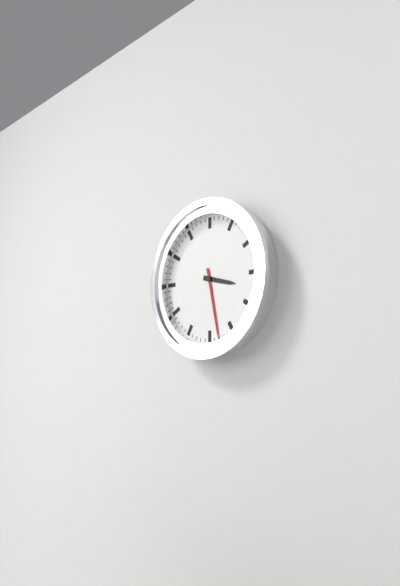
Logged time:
h=3 m=28
